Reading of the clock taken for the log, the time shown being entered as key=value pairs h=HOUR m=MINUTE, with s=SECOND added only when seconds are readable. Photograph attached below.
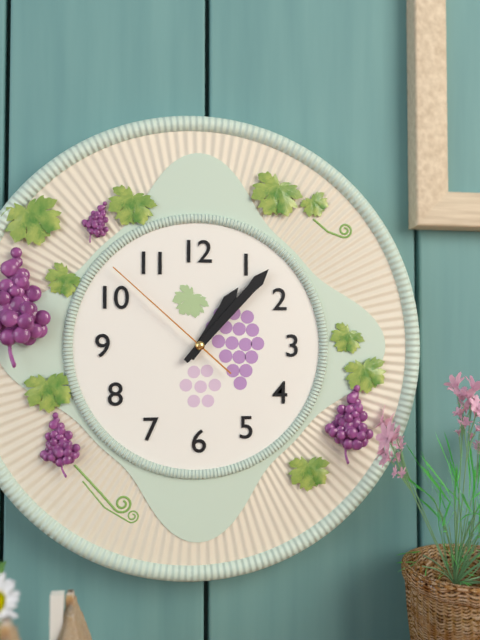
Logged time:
h=1 m=7 s=52
